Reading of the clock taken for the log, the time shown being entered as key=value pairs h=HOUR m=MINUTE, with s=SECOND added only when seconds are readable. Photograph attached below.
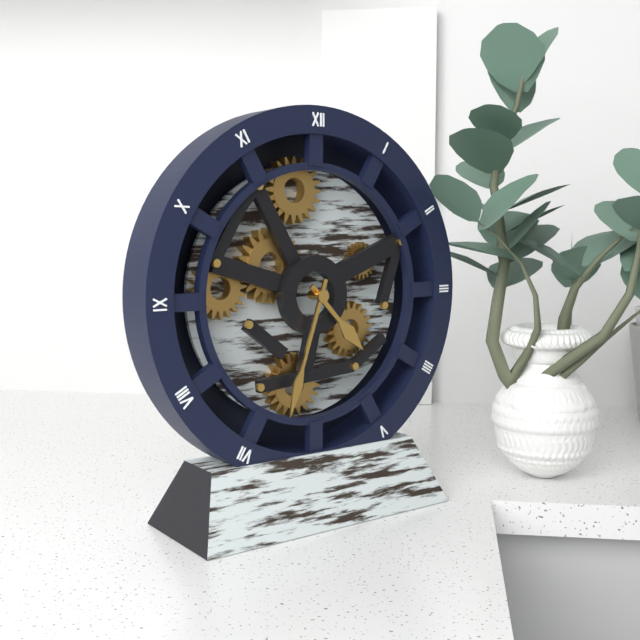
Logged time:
h=4 m=33
